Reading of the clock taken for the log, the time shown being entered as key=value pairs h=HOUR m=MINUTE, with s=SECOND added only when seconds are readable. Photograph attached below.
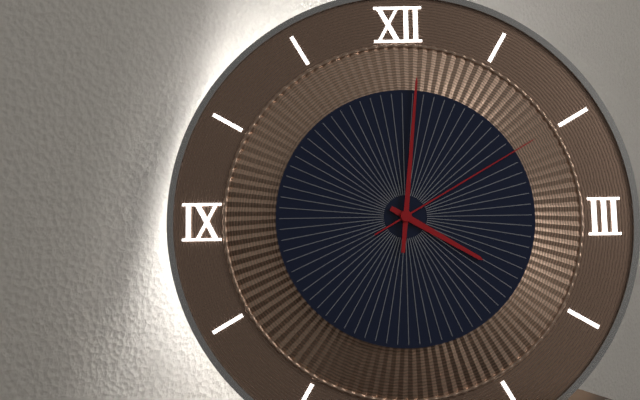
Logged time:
h=4 m=1 s=10
